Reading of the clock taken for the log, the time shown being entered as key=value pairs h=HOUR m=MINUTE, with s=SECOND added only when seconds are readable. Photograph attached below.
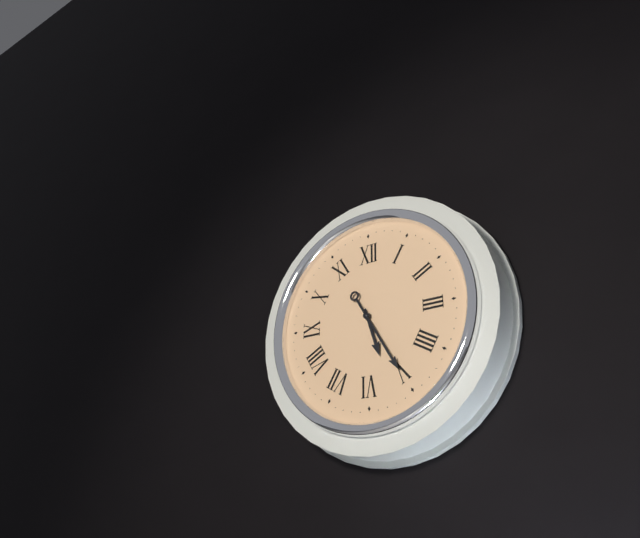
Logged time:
h=5 m=25
